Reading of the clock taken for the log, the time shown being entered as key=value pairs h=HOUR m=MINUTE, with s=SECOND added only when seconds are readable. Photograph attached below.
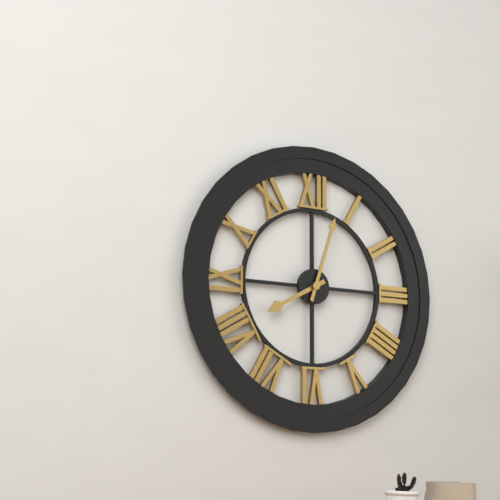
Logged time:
h=8 m=3
